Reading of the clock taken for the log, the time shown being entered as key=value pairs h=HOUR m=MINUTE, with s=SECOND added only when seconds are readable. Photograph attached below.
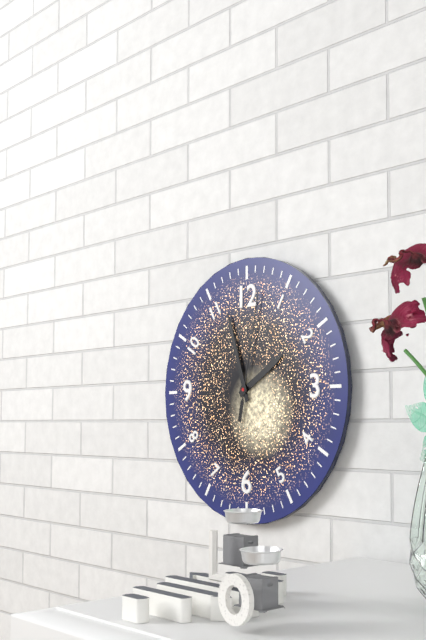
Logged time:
h=1 m=57 s=2
